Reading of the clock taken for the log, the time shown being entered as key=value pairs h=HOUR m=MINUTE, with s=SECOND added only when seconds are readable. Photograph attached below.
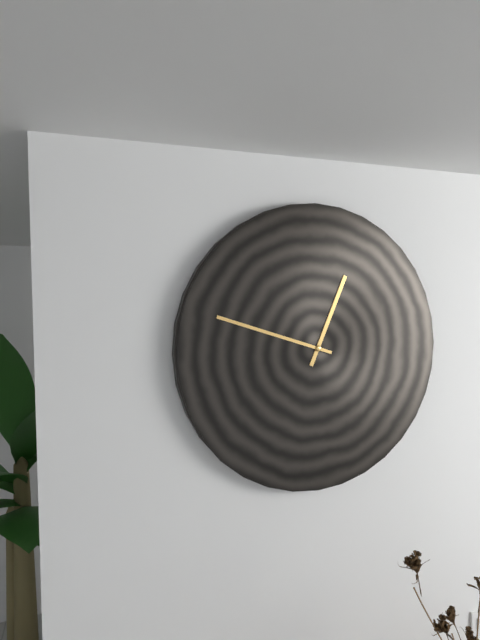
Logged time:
h=12 m=48
